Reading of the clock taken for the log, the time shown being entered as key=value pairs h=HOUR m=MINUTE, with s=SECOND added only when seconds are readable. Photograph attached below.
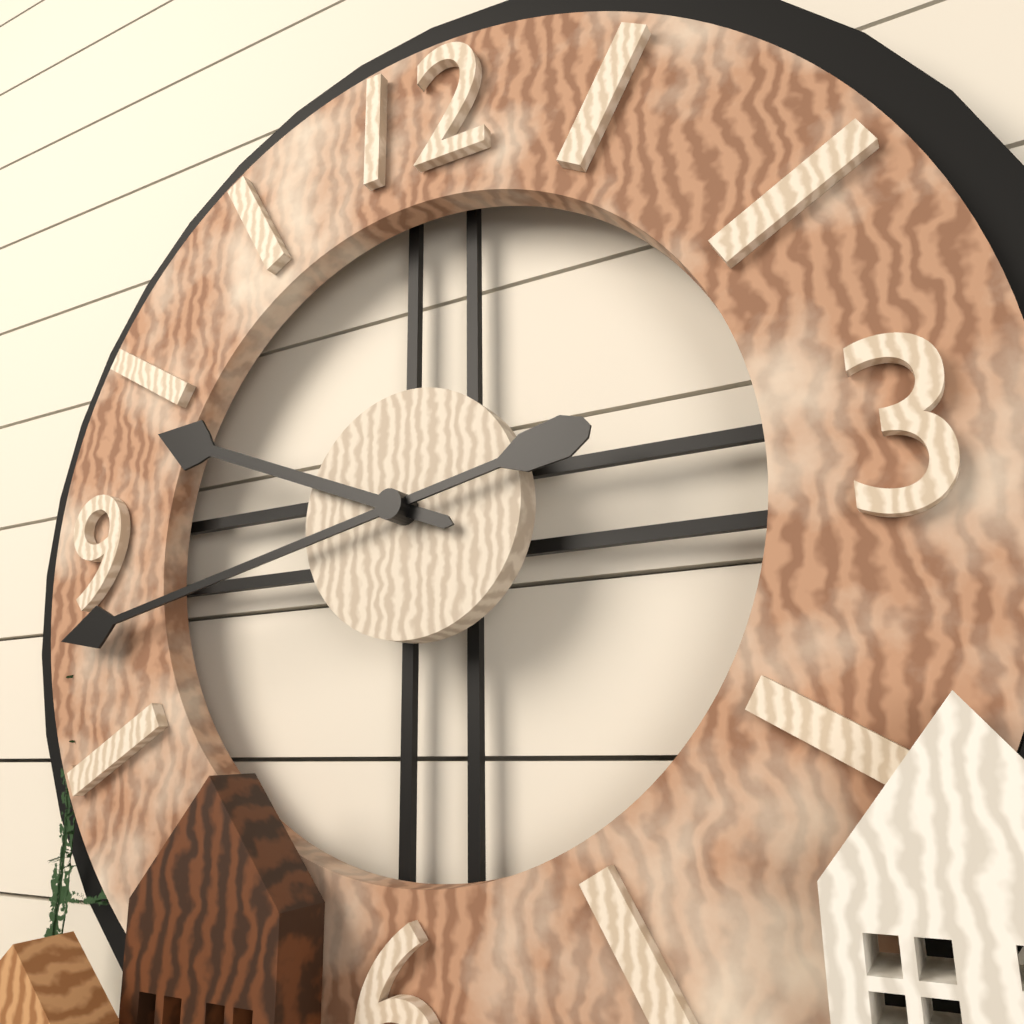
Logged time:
h=9 m=43
